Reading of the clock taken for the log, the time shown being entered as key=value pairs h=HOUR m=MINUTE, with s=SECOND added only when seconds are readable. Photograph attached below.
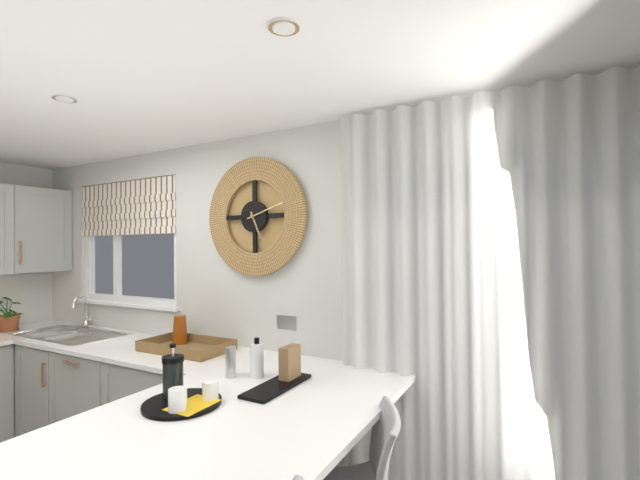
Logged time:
h=5 m=12
